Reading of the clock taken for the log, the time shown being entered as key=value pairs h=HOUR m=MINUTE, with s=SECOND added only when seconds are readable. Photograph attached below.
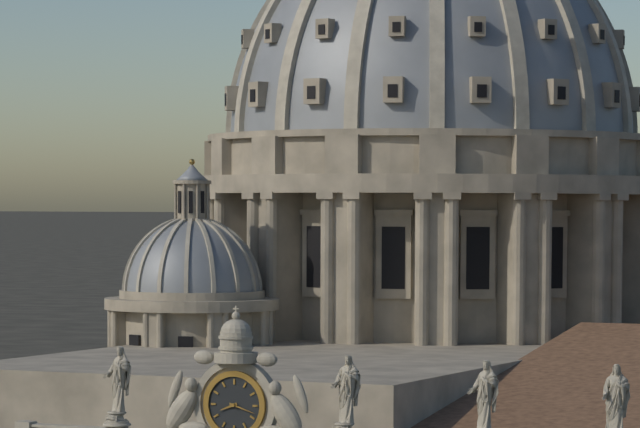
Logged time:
h=8 m=18
